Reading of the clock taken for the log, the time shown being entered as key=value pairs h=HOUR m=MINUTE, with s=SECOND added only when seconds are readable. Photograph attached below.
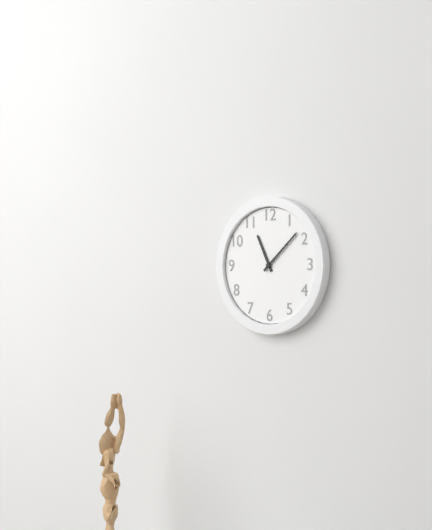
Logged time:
h=11 m=8
